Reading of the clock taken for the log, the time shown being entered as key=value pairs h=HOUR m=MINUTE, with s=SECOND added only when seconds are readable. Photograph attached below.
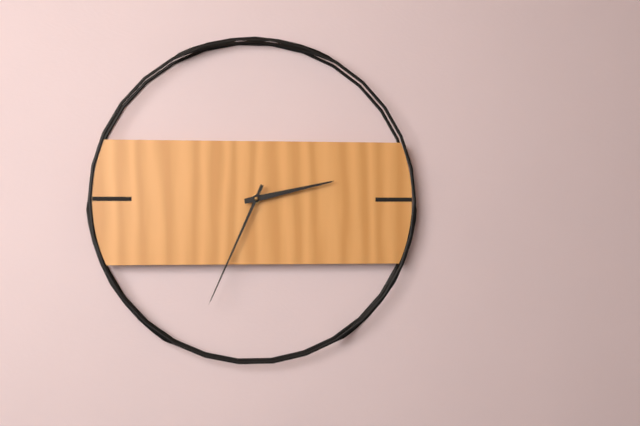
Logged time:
h=2 m=34
